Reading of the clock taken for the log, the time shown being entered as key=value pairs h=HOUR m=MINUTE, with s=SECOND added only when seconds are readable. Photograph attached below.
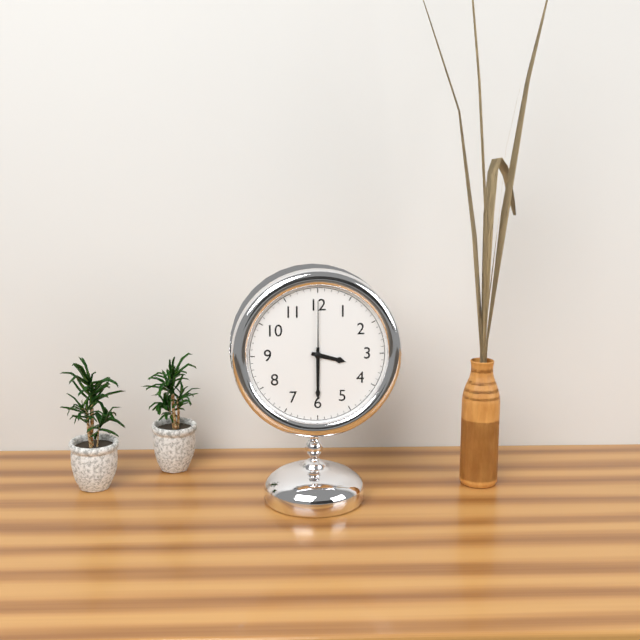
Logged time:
h=3 m=30 s=0
